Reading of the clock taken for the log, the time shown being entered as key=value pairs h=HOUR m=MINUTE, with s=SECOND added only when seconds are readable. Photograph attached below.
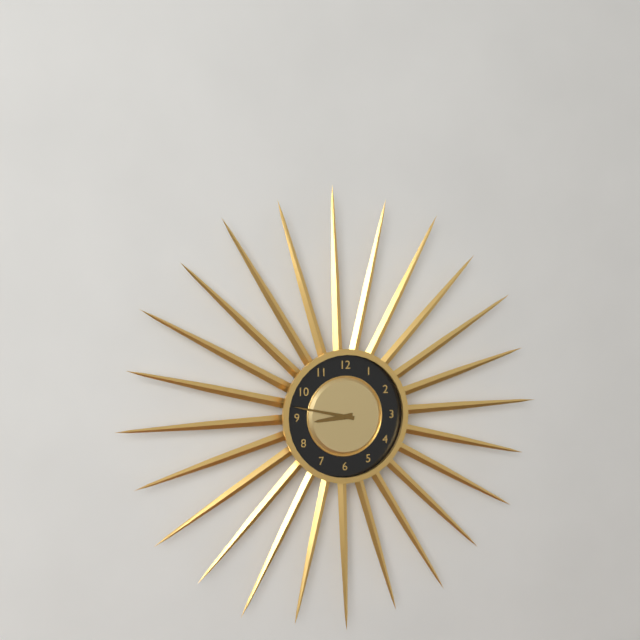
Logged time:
h=8 m=47
